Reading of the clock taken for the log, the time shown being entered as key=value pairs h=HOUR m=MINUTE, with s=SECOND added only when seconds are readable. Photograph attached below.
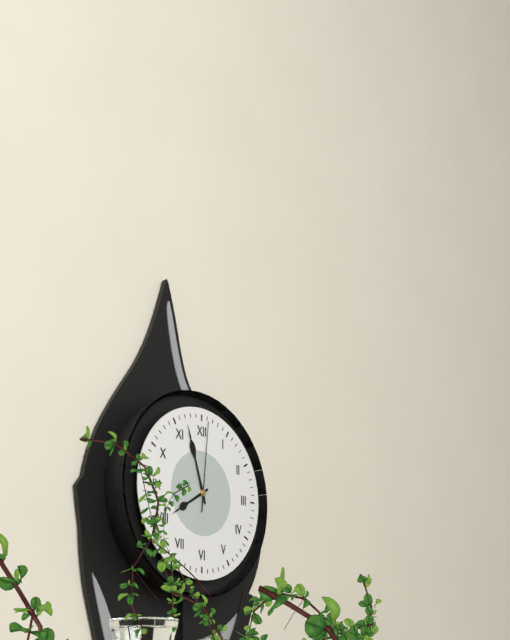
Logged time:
h=7 m=57 s=1
